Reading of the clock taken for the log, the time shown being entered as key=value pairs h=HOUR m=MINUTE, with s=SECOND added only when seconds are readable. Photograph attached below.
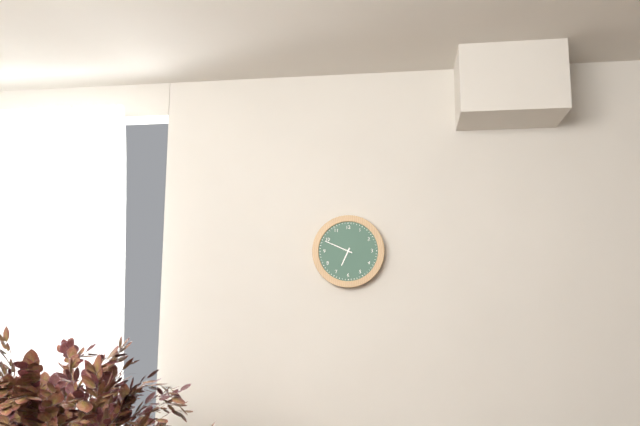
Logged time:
h=6 m=49
